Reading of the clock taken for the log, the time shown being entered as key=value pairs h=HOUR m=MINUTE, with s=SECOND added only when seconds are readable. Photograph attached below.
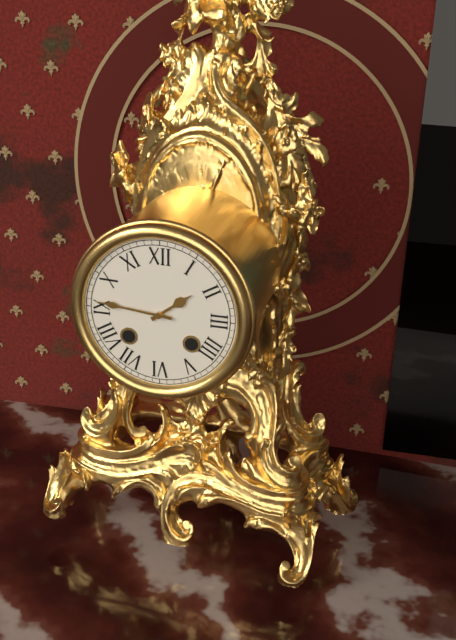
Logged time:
h=1 m=46
